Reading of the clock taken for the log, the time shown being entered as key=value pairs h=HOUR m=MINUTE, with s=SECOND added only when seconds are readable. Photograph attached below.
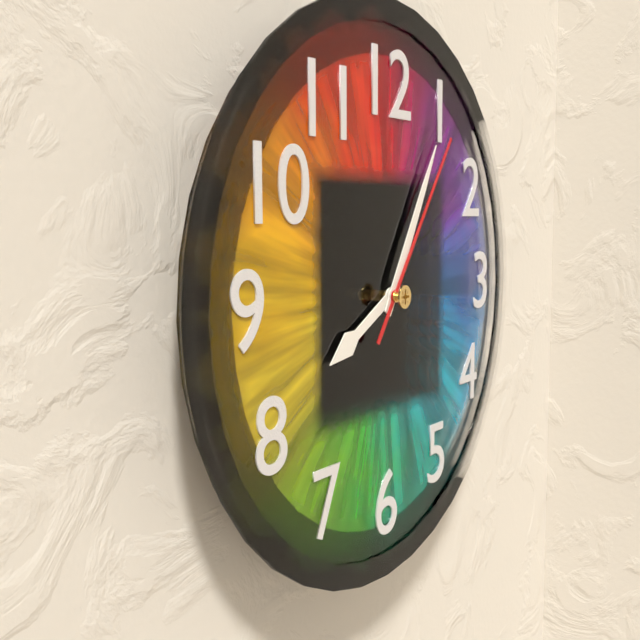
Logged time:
h=8 m=5 s=6
